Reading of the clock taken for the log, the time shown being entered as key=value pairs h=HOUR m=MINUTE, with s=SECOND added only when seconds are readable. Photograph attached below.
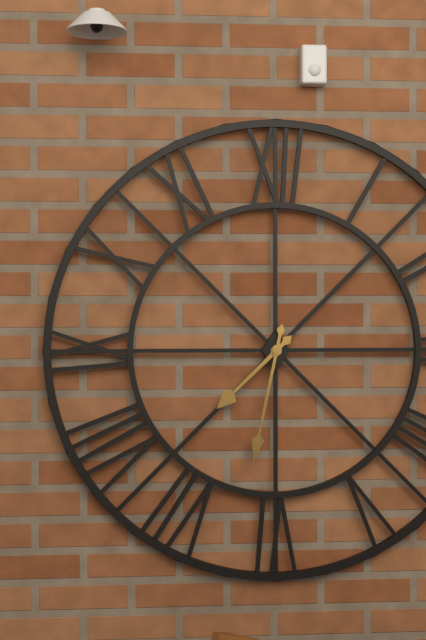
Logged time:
h=7 m=32
